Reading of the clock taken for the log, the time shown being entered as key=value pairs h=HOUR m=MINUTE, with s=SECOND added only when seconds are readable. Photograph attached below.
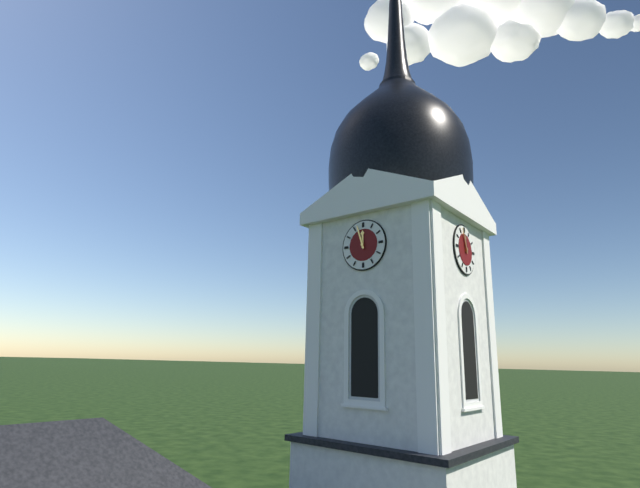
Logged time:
h=11 m=57
